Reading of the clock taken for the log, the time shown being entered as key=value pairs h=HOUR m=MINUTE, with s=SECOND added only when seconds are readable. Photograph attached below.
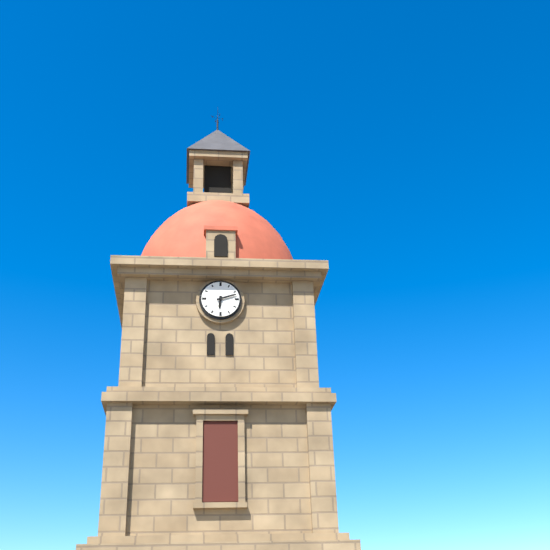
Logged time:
h=6 m=12
